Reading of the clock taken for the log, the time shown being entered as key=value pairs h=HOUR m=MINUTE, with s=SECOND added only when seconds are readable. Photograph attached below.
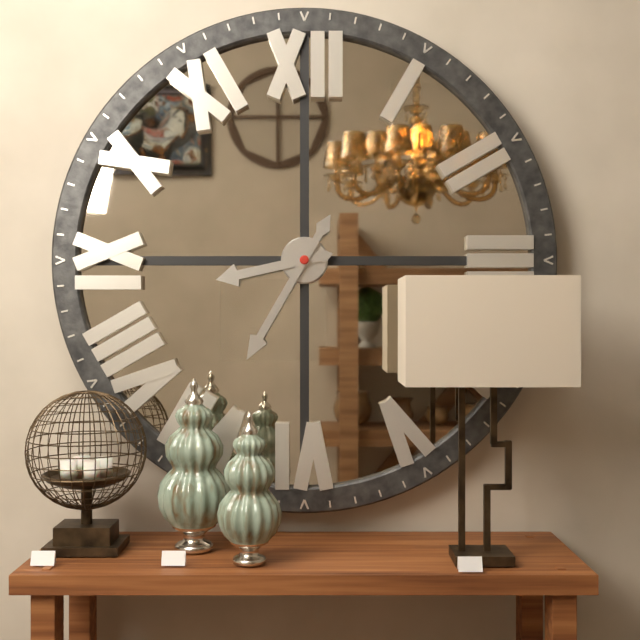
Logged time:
h=8 m=35
